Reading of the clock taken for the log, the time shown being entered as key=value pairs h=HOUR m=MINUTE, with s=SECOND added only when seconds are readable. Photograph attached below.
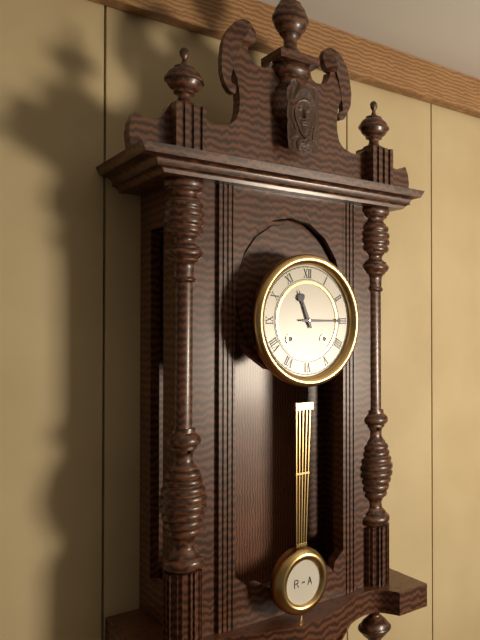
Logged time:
h=11 m=15
